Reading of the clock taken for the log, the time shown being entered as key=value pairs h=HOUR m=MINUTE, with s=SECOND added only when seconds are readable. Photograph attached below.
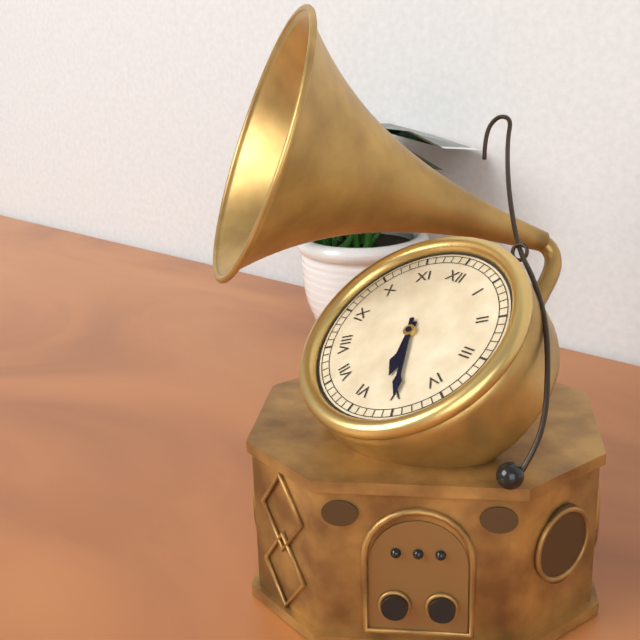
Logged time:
h=5 m=25
